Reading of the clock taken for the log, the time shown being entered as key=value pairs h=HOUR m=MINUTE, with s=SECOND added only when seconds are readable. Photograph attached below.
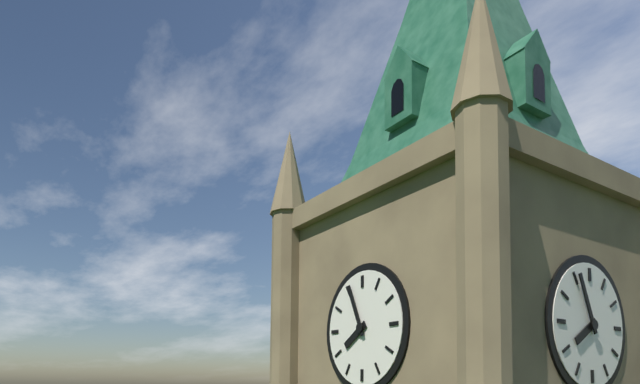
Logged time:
h=7 m=56
